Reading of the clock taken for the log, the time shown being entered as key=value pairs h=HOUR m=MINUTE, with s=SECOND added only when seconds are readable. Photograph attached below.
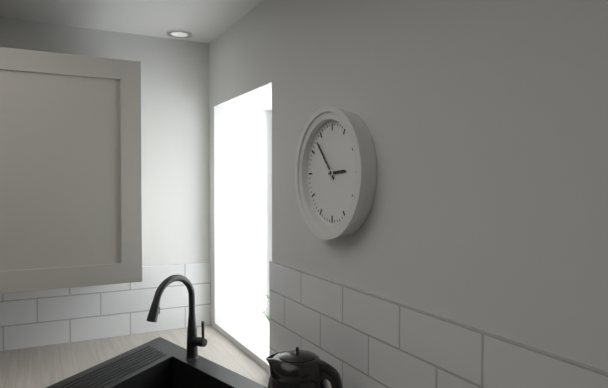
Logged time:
h=2 m=53
